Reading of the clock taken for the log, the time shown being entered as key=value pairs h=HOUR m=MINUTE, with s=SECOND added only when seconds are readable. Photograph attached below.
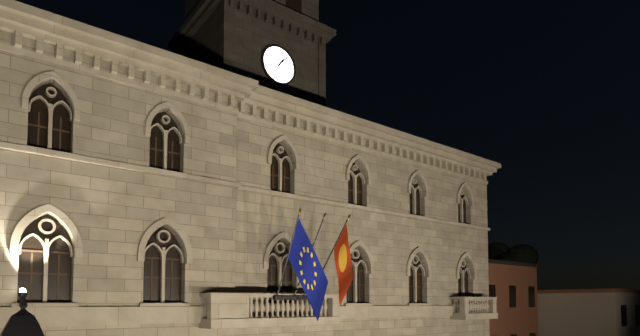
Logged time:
h=1 m=7
